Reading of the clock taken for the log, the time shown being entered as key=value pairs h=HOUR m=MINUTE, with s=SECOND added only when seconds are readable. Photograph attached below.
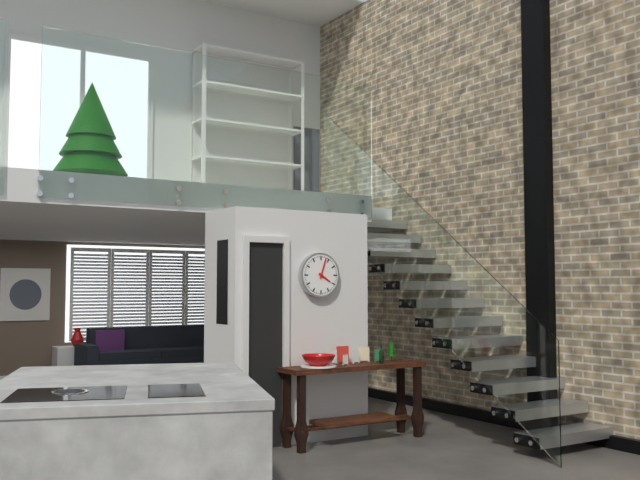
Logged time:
h=4 m=3
